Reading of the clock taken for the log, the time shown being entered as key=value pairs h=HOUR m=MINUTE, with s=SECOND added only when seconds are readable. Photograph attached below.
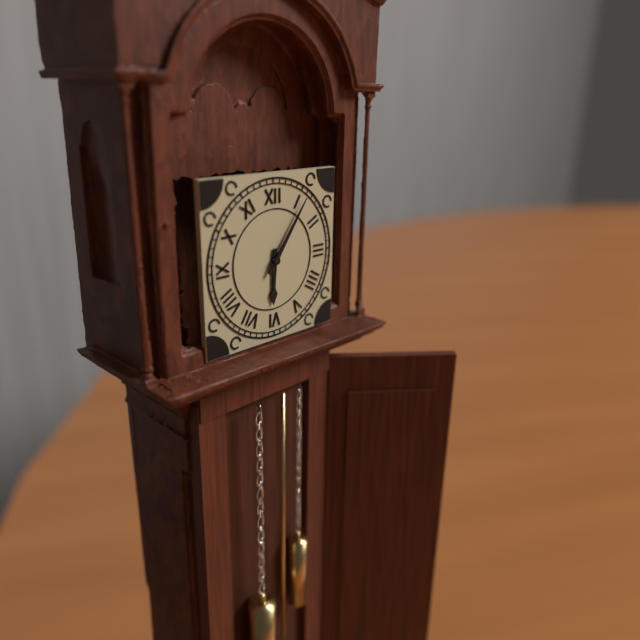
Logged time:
h=6 m=6
